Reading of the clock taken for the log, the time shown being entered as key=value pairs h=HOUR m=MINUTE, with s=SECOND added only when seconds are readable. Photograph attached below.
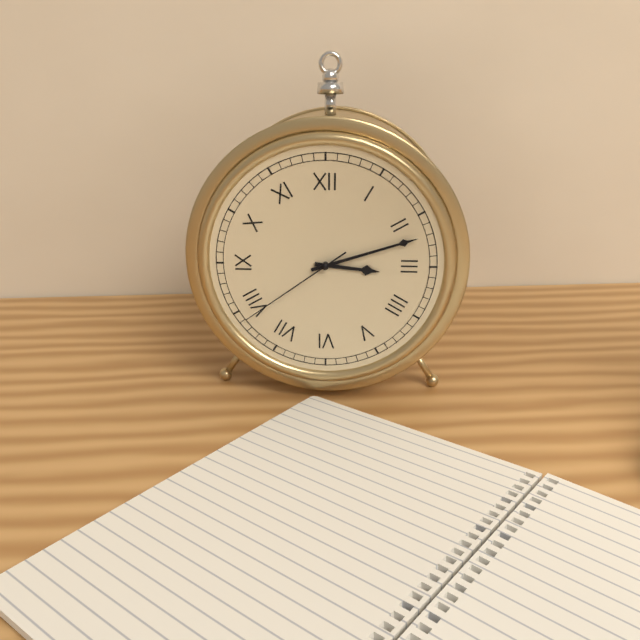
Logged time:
h=3 m=12 s=39
